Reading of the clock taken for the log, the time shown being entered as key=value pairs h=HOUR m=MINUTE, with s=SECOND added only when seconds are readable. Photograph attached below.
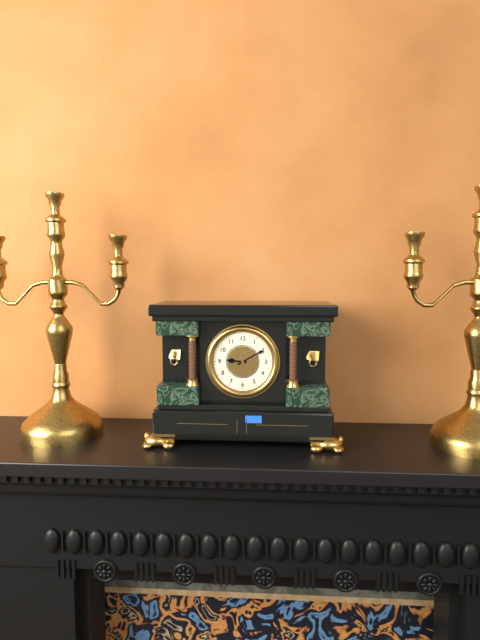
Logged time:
h=9 m=10
